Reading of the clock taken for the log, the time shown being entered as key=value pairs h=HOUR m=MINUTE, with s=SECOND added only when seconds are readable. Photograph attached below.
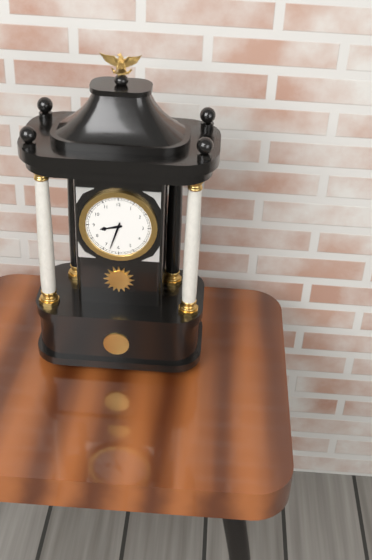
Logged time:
h=8 m=33
